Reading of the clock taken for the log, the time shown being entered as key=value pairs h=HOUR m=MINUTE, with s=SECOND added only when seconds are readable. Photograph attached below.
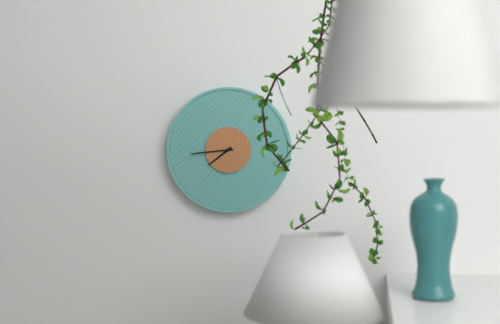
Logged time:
h=7 m=44
